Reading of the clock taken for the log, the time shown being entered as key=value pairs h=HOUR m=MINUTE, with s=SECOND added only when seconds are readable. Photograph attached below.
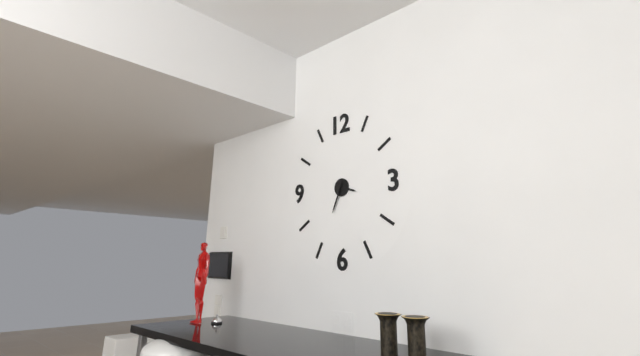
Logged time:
h=3 m=34
